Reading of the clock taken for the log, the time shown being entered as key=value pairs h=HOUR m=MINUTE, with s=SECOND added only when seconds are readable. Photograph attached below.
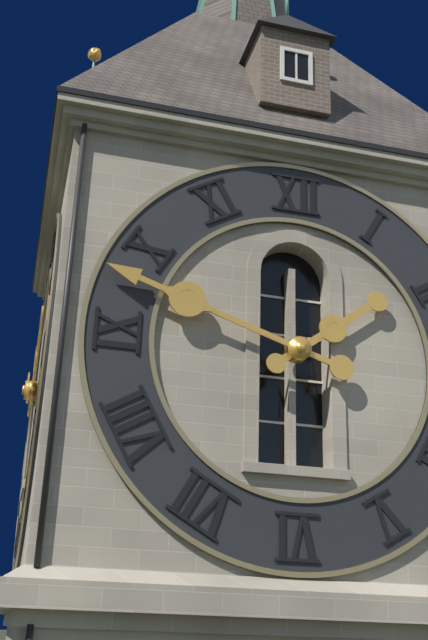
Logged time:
h=1 m=48
